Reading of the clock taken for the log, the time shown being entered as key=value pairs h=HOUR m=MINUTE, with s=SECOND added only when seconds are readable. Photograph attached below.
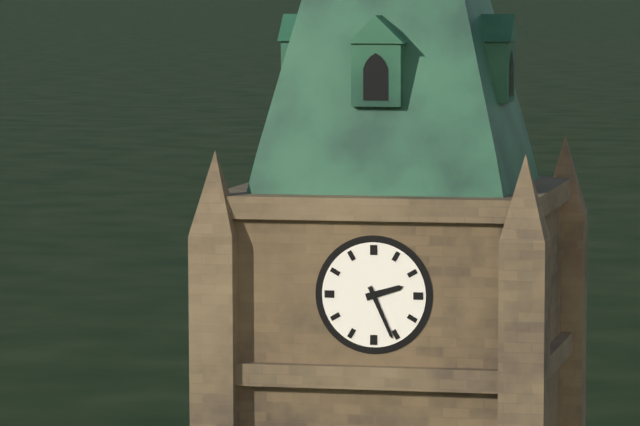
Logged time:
h=2 m=26
